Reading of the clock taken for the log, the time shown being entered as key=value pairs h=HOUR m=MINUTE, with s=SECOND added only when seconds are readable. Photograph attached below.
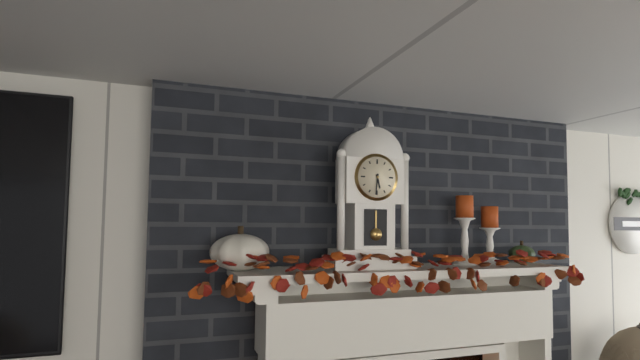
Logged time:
h=5 m=31
